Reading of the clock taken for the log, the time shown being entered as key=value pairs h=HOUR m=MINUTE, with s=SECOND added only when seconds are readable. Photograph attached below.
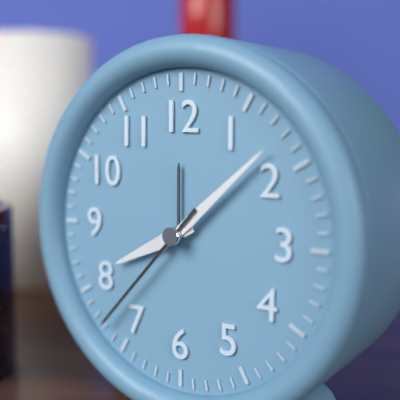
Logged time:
h=8 m=8 s=37
